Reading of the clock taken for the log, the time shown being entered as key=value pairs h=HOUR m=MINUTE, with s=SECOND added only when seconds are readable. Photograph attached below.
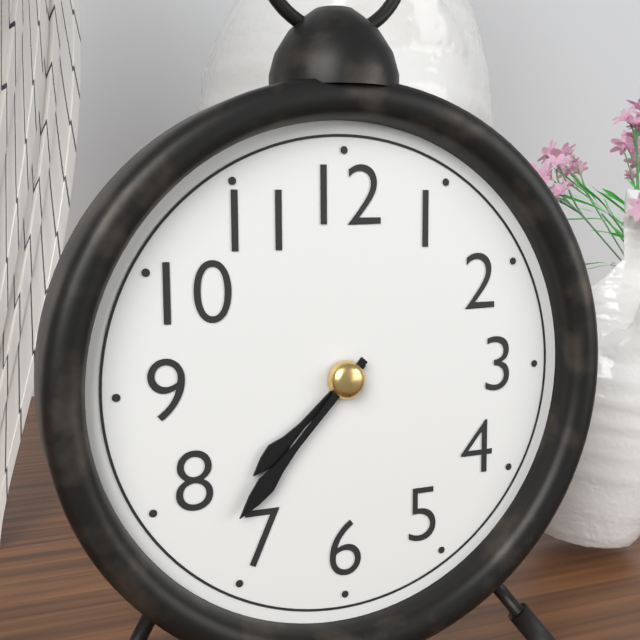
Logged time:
h=7 m=37
